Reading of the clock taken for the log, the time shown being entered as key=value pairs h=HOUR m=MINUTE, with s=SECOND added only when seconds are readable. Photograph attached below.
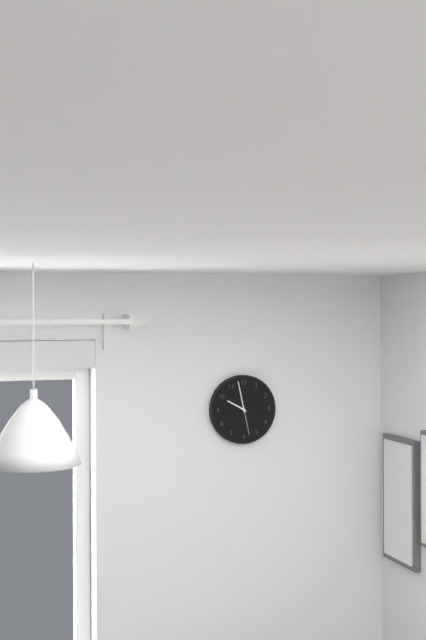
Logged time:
h=9 m=58
